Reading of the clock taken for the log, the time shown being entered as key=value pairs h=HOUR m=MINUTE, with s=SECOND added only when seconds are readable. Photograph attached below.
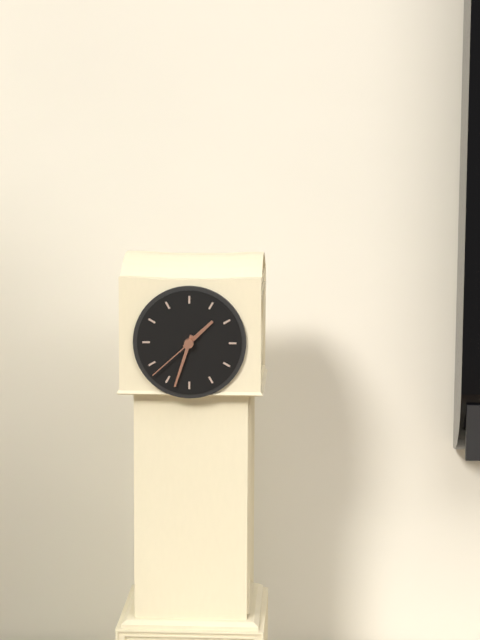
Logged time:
h=1 m=33 s=38
